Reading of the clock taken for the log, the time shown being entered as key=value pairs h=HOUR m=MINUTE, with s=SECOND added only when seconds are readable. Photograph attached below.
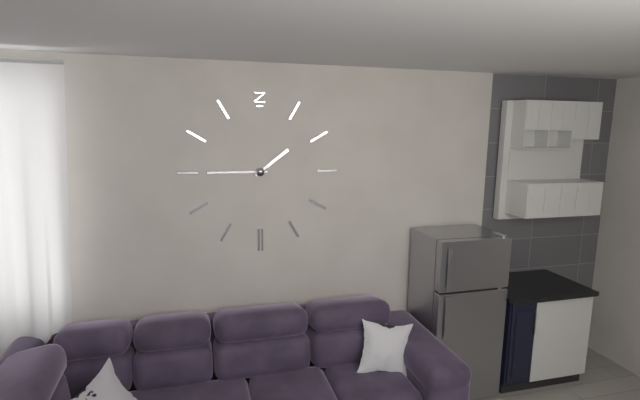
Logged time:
h=1 m=45
